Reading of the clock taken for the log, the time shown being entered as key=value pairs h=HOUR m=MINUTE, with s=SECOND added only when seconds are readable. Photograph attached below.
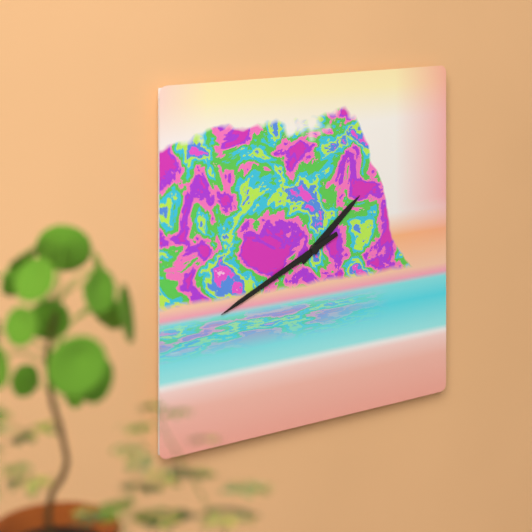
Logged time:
h=1 m=41
